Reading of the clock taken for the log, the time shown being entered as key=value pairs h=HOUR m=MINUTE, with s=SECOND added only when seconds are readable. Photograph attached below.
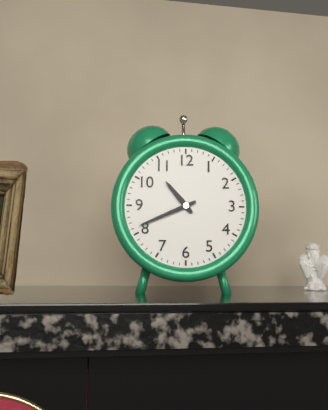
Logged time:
h=10 m=41
